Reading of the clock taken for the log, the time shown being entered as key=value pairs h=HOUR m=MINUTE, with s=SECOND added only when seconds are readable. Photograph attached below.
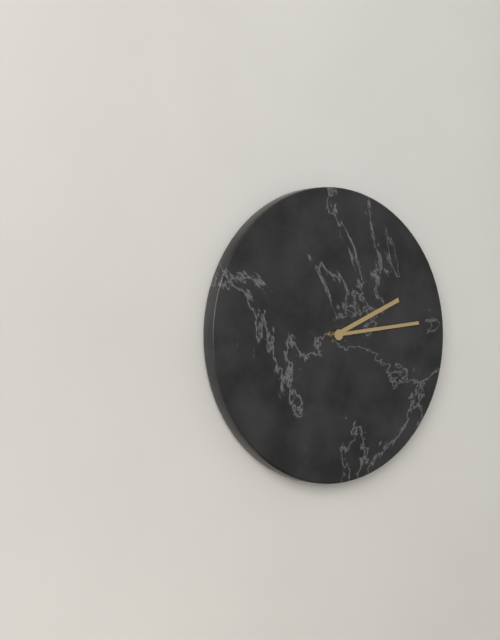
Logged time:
h=2 m=14
